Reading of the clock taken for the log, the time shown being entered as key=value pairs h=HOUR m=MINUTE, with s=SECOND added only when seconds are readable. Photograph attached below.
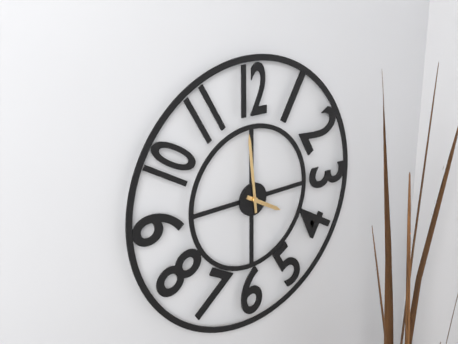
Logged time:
h=3 m=59
